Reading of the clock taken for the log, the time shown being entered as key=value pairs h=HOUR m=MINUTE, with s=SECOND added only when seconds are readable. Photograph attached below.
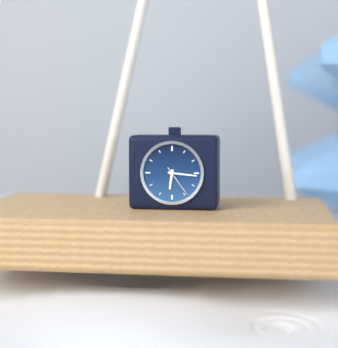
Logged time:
h=6 m=16
